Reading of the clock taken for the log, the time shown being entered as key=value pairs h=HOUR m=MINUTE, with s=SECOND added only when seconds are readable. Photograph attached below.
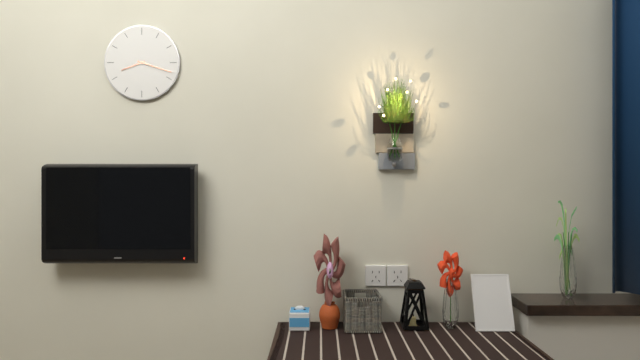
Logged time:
h=8 m=18
